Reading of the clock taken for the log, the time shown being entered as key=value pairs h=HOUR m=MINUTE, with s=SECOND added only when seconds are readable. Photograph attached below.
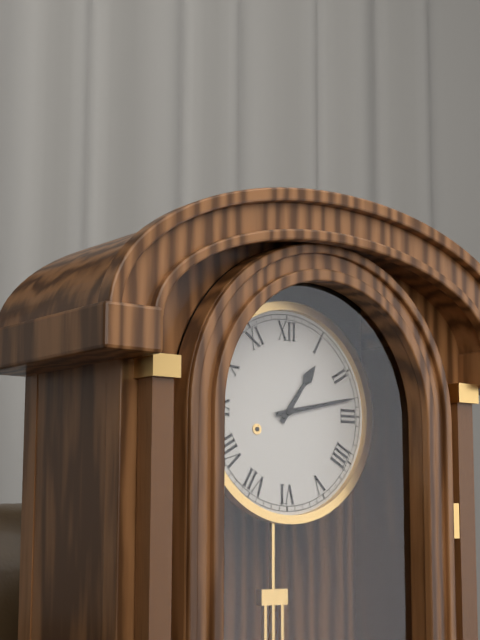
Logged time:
h=1 m=13
